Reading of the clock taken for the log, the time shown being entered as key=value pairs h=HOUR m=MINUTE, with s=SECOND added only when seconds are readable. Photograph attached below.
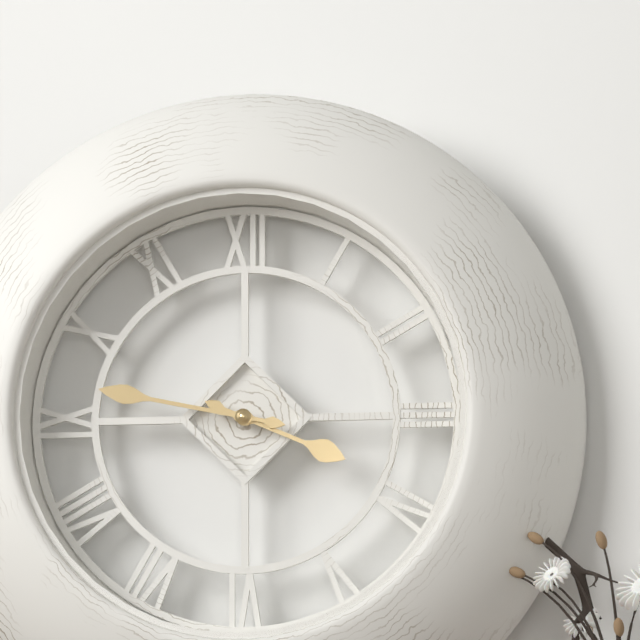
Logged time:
h=3 m=47
